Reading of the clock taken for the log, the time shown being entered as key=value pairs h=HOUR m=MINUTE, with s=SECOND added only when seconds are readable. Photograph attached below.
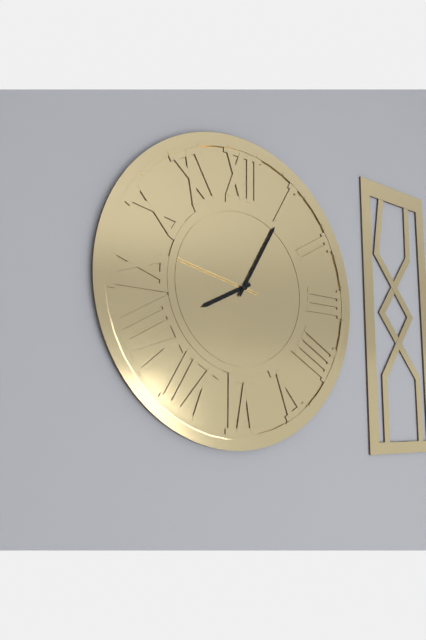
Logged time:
h=8 m=5 s=47
